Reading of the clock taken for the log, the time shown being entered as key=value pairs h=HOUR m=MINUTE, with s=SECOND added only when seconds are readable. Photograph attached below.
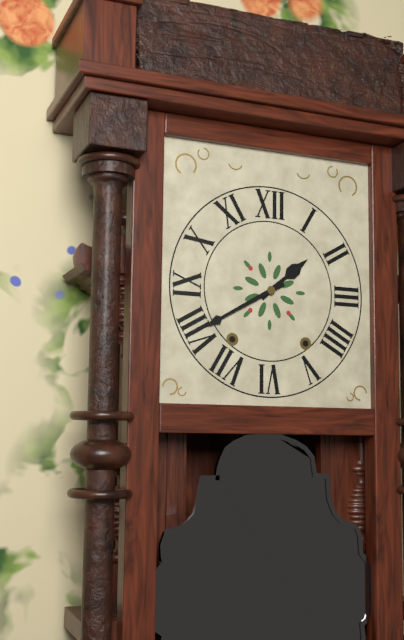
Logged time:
h=1 m=40
